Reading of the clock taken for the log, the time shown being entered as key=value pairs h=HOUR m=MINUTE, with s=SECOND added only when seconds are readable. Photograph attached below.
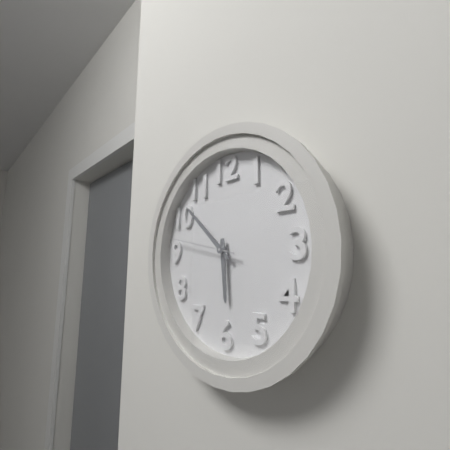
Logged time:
h=5 m=52 s=47
